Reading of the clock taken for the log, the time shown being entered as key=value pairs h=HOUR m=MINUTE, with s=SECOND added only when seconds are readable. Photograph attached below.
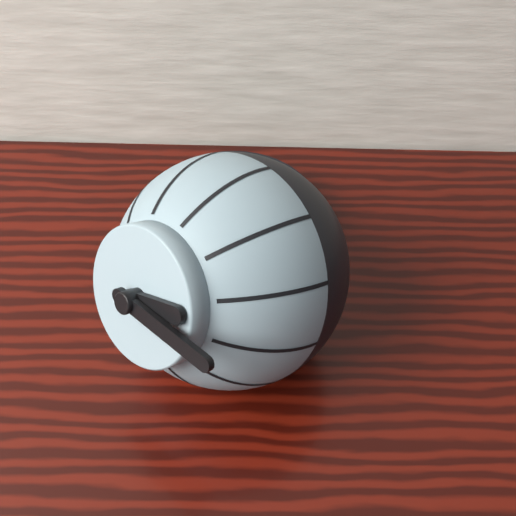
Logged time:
h=2 m=14
